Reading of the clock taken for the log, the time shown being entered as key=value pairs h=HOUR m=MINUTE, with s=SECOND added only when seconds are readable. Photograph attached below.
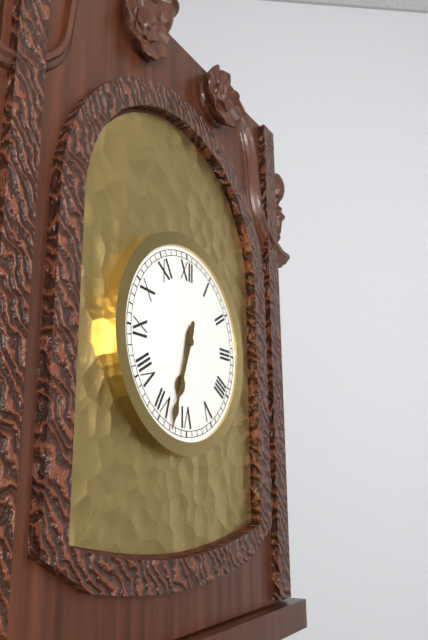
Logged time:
h=6 m=33
